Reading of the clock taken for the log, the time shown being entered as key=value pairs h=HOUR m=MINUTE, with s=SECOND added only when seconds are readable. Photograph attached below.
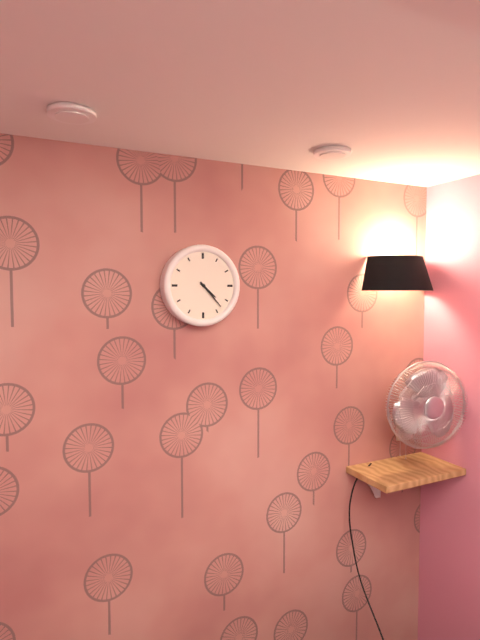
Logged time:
h=4 m=23
